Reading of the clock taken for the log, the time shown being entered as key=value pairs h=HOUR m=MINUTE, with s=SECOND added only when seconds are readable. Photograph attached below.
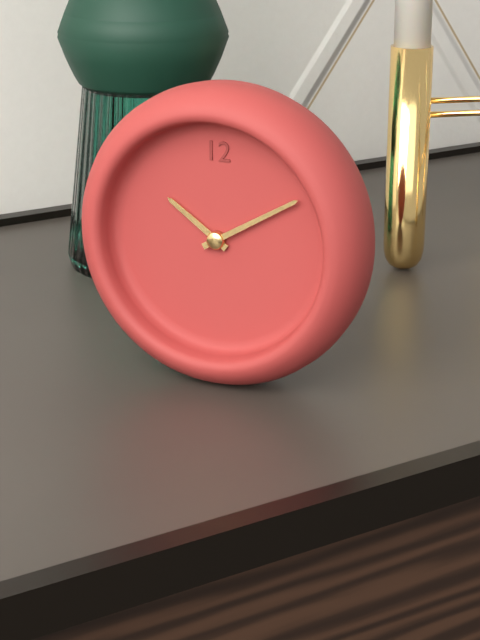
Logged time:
h=10 m=10
